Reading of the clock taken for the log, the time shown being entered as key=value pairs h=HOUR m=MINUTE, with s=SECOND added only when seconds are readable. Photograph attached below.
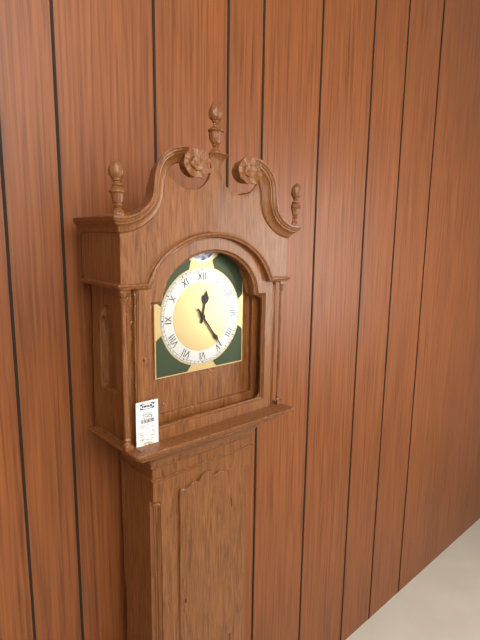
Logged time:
h=12 m=24
